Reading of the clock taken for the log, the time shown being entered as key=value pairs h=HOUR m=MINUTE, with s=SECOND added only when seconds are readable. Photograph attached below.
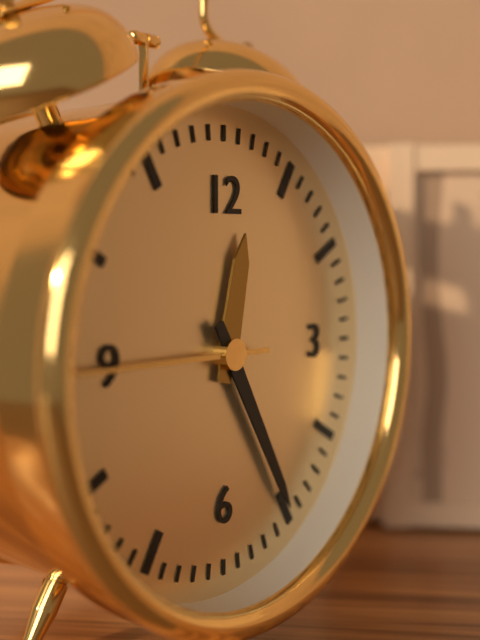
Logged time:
h=12 m=25 s=45
